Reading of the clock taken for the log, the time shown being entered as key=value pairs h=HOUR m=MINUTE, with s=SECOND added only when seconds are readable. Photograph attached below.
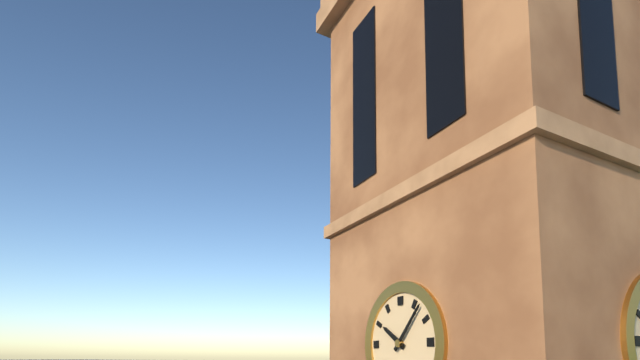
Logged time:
h=10 m=7
